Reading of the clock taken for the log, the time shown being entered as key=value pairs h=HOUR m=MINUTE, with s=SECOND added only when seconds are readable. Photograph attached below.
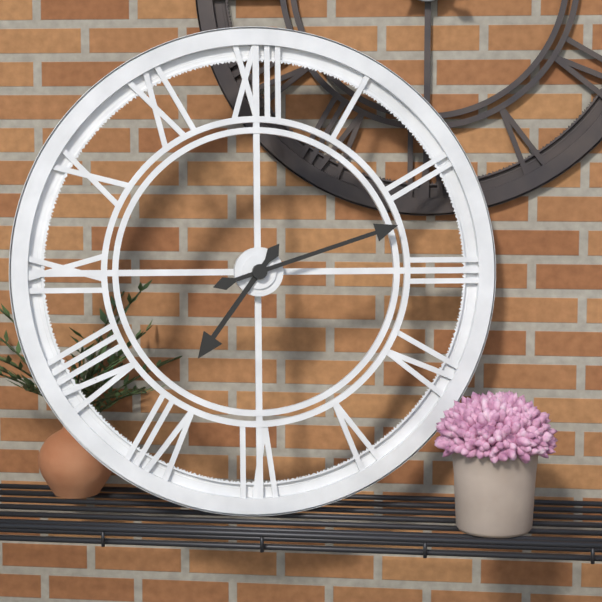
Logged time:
h=7 m=12
